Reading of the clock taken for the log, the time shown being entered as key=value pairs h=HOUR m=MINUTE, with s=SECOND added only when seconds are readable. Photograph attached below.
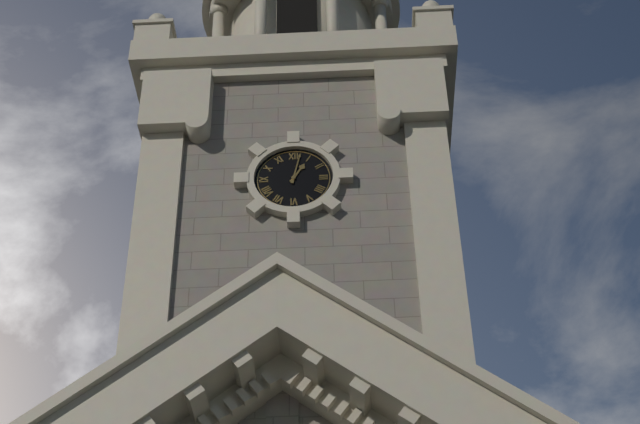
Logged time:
h=1 m=2
